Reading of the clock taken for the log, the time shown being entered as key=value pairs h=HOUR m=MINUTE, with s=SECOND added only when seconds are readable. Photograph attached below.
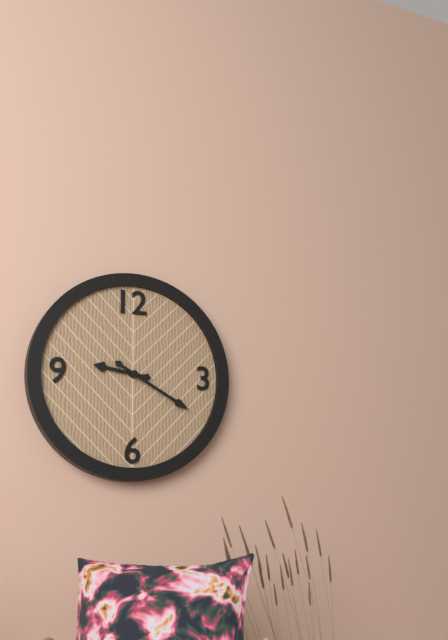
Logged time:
h=9 m=20
